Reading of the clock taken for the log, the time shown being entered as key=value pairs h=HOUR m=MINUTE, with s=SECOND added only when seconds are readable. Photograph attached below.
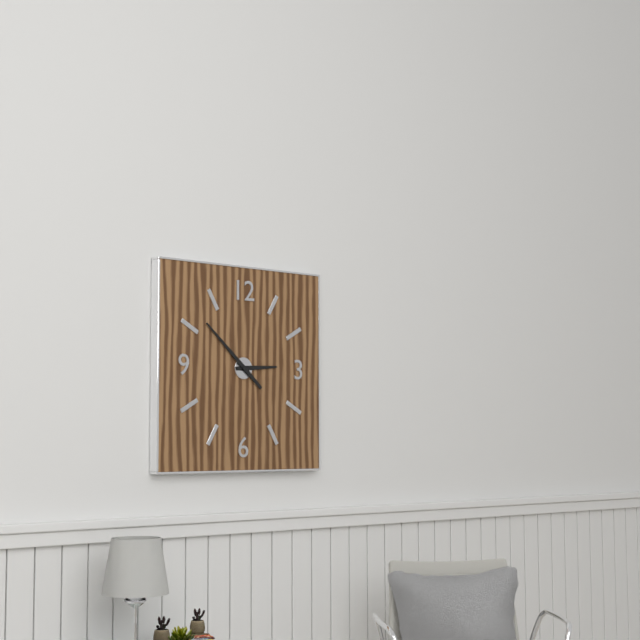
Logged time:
h=2 m=52
